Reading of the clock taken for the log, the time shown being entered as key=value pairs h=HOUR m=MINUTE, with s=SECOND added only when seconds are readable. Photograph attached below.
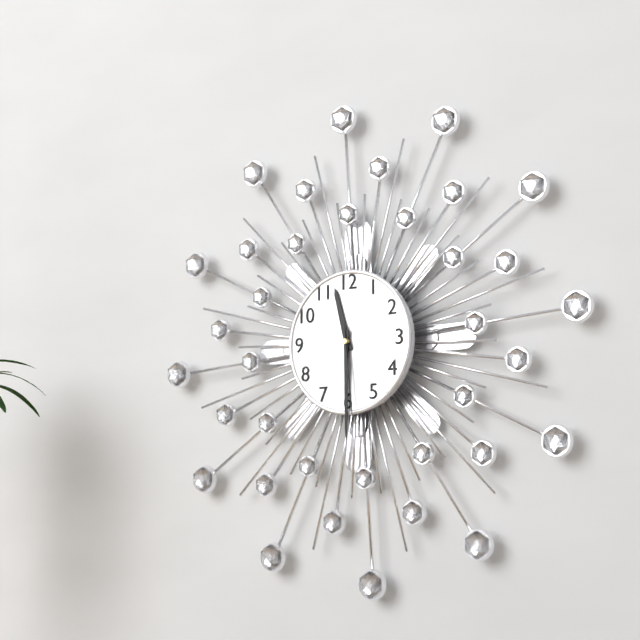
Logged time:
h=11 m=30 s=29
